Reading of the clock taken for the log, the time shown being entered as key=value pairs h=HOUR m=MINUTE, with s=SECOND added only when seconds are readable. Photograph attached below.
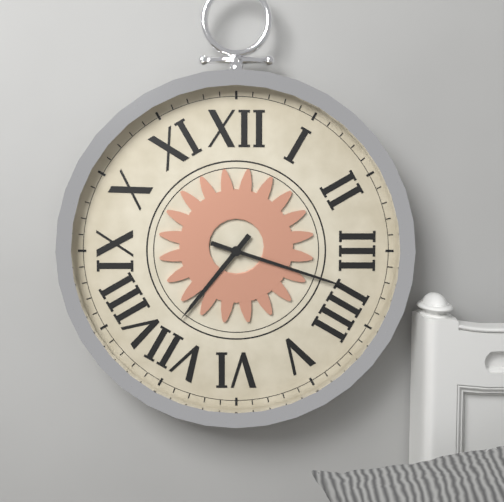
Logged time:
h=7 m=18
